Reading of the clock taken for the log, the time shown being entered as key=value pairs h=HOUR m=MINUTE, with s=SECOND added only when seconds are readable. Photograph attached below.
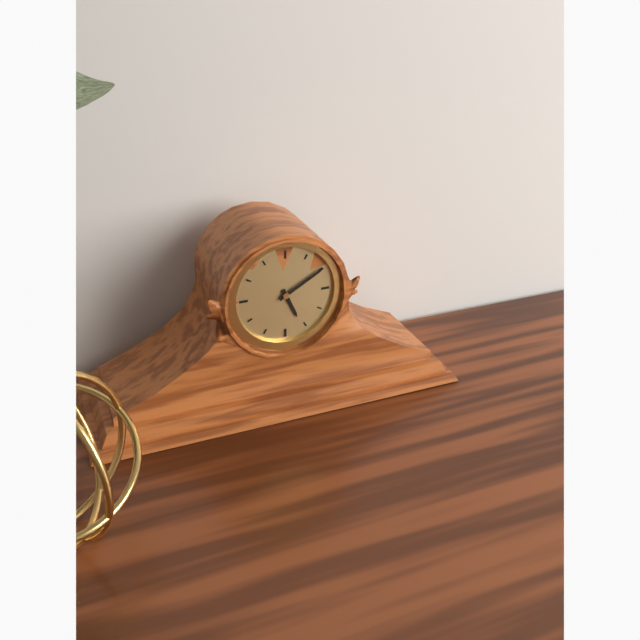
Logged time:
h=5 m=10
